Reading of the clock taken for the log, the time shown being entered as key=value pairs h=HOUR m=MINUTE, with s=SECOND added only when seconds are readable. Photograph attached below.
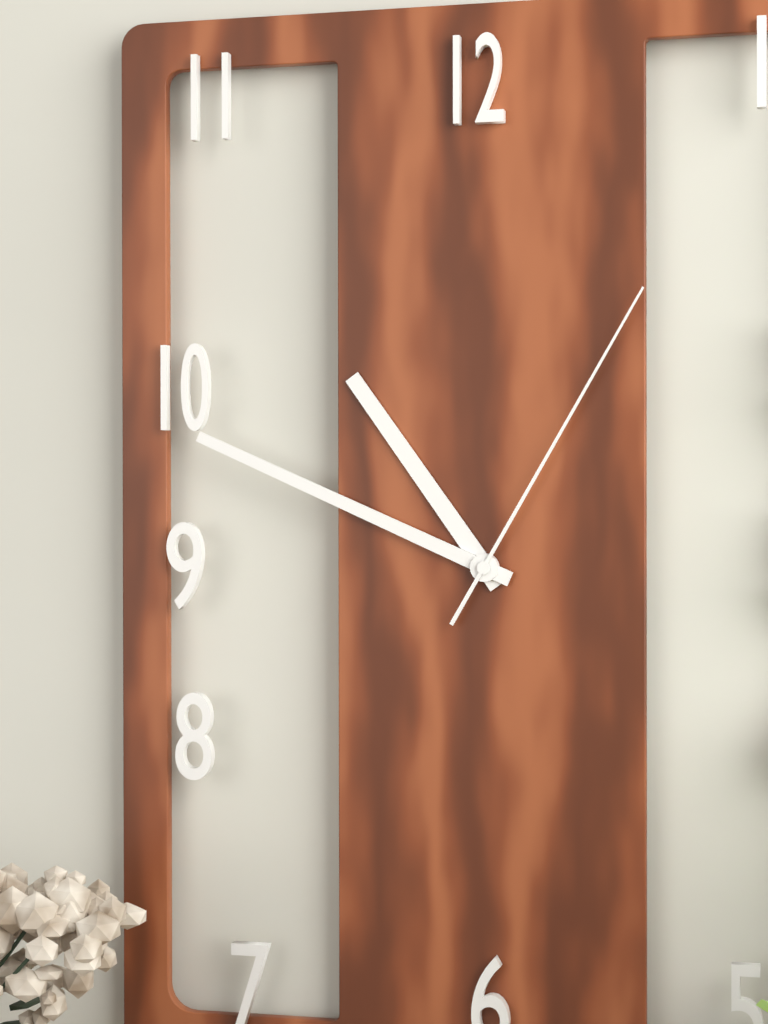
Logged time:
h=10 m=49 s=5
